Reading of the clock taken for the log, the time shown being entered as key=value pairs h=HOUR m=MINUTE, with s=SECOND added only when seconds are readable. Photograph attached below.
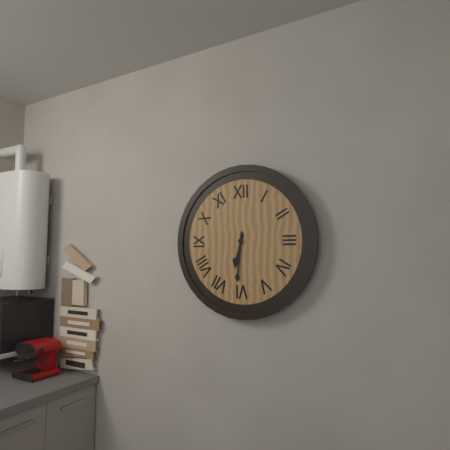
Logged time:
h=6 m=31
